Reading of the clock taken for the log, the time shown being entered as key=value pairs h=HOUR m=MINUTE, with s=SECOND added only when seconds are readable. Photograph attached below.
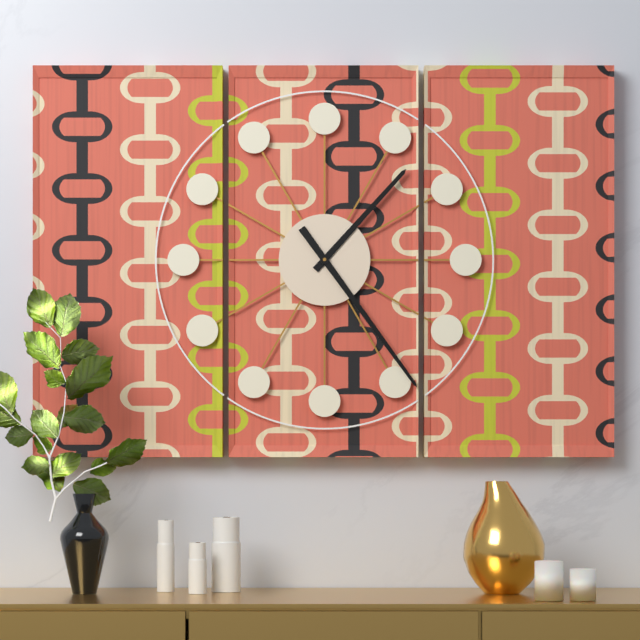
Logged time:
h=1 m=24
